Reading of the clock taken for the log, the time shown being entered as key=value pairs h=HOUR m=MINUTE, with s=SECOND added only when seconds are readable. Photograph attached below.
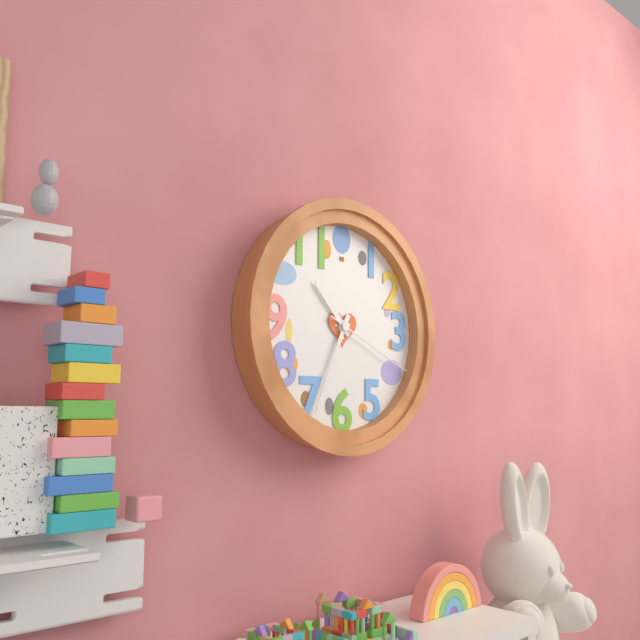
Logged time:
h=10 m=34 s=19
